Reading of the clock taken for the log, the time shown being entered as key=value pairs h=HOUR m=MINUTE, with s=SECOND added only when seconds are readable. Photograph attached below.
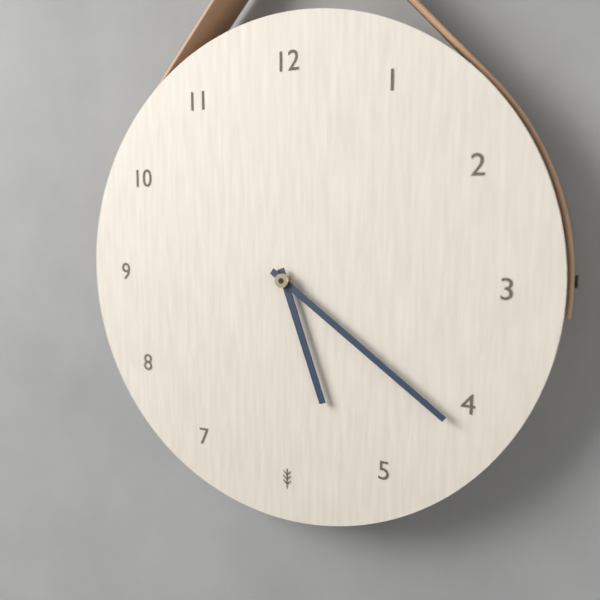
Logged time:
h=5 m=21
